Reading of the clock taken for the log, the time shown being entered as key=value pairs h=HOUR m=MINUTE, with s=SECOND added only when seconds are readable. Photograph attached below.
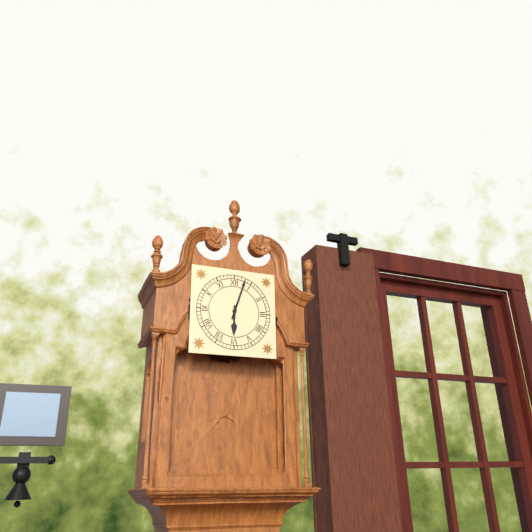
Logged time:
h=6 m=3
